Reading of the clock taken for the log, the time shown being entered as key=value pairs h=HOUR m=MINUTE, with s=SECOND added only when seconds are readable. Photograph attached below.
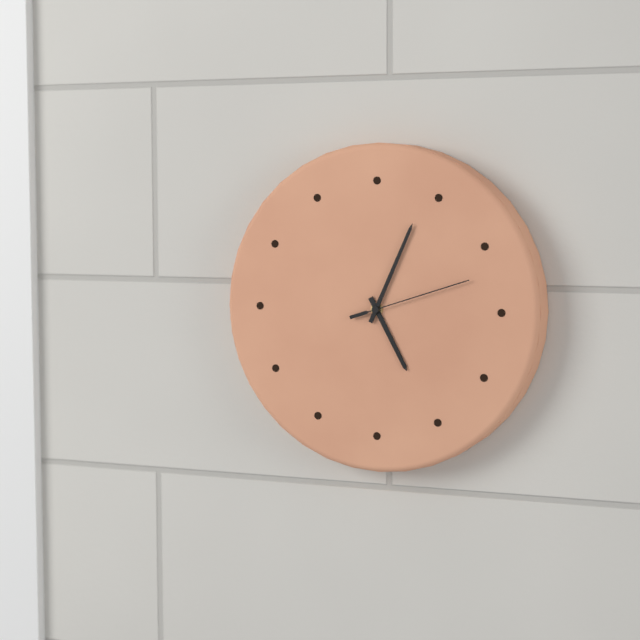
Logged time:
h=5 m=4 s=12
